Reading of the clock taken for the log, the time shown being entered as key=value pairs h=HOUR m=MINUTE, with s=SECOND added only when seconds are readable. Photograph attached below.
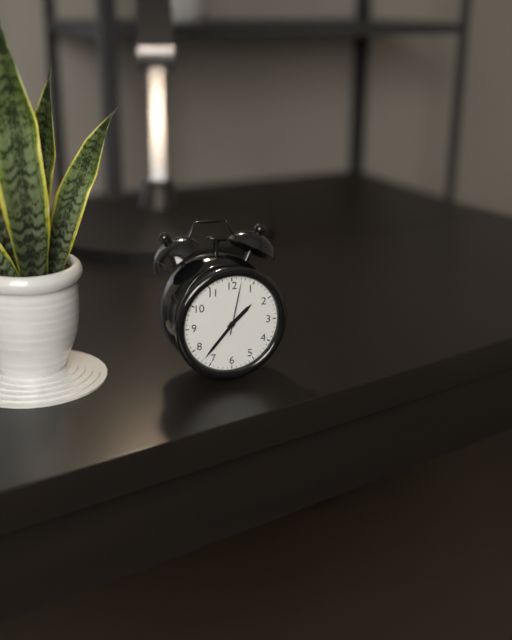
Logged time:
h=1 m=37 s=2
